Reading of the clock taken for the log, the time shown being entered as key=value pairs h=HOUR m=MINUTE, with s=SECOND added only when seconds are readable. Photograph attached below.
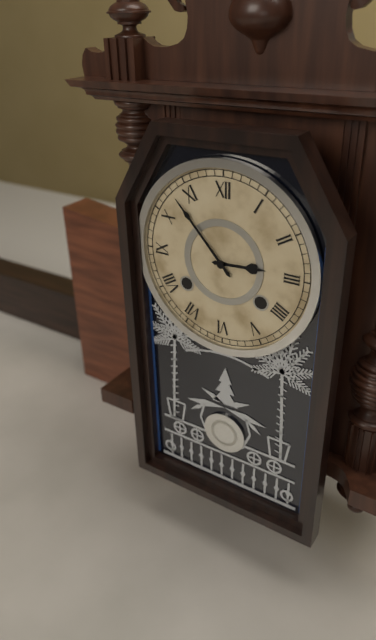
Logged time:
h=2 m=53
